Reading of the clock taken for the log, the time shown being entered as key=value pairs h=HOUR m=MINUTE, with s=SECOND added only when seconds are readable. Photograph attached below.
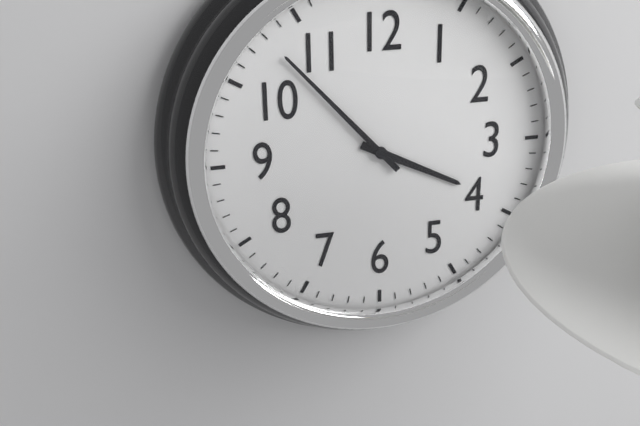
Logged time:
h=3 m=53
